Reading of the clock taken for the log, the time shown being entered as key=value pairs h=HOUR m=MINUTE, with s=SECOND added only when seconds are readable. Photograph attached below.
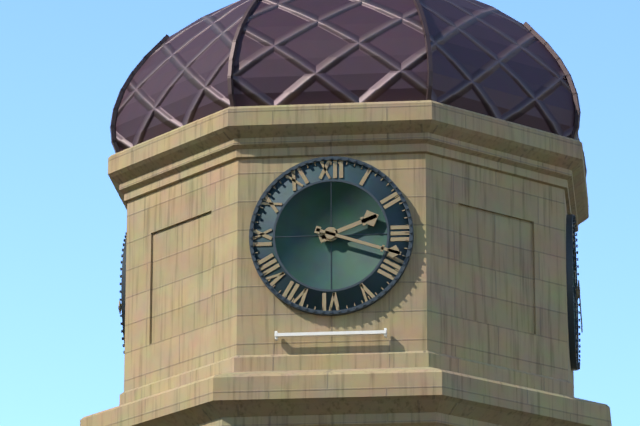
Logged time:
h=2 m=18
